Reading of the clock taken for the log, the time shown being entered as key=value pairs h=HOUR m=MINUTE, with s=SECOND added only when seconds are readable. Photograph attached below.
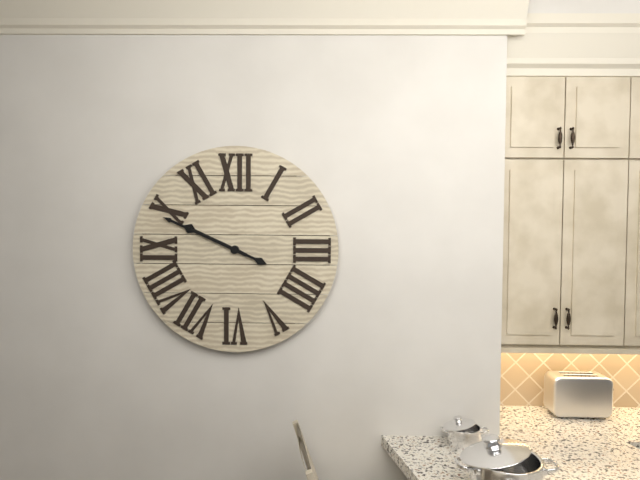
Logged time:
h=9 m=49
